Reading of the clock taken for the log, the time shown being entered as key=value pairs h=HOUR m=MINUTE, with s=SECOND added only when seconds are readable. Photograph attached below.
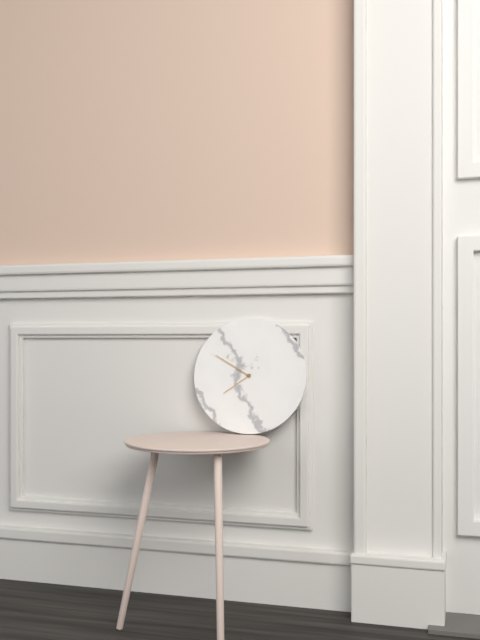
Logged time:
h=7 m=50
